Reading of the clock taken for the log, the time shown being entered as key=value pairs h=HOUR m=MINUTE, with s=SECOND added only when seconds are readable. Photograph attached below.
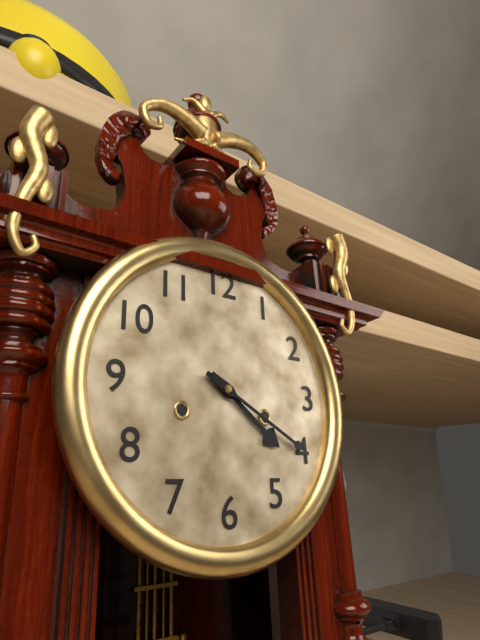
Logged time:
h=4 m=20
